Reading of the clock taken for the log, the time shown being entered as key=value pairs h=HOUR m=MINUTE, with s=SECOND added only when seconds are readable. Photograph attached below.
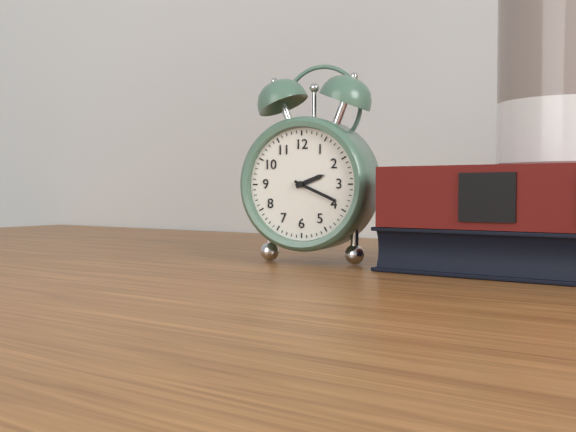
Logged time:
h=2 m=19
